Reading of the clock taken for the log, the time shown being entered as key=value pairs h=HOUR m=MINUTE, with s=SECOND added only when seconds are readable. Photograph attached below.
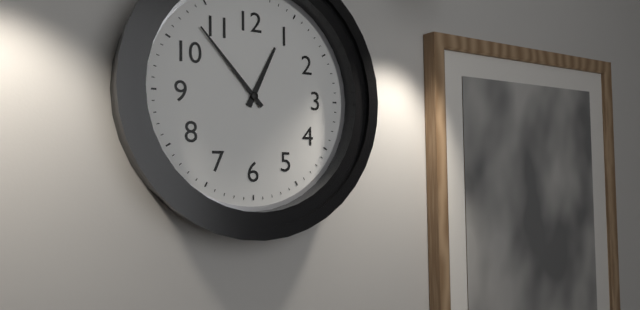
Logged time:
h=12 m=53
